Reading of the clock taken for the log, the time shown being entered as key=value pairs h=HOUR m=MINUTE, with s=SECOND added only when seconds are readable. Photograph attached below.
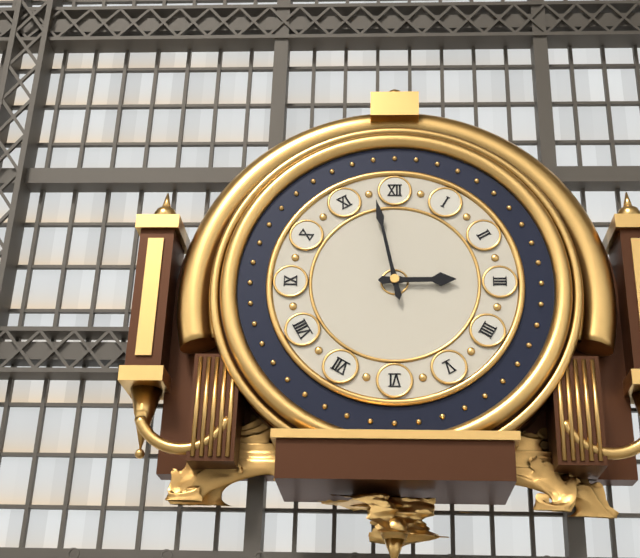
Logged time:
h=2 m=58
